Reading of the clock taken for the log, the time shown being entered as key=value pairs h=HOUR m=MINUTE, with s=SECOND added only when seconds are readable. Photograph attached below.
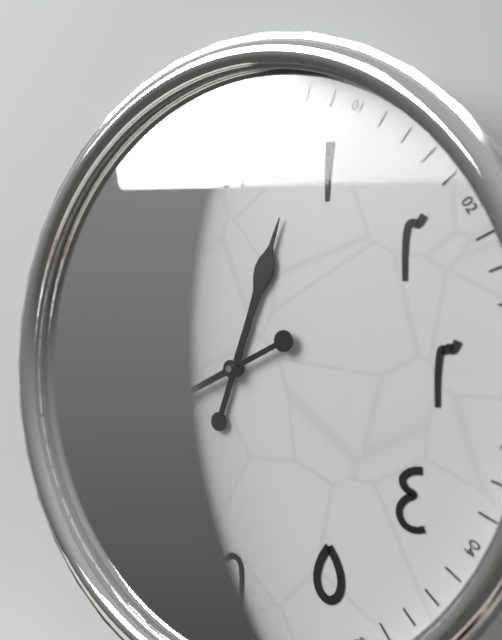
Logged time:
h=12 m=41
